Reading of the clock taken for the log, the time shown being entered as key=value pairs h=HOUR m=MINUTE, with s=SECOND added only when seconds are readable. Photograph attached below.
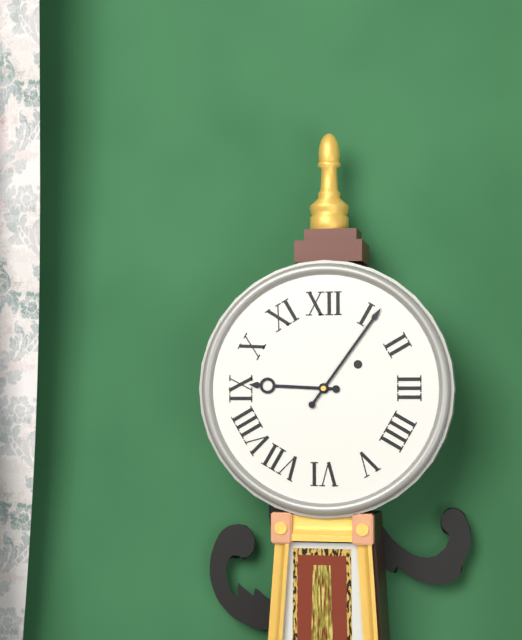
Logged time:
h=9 m=6
